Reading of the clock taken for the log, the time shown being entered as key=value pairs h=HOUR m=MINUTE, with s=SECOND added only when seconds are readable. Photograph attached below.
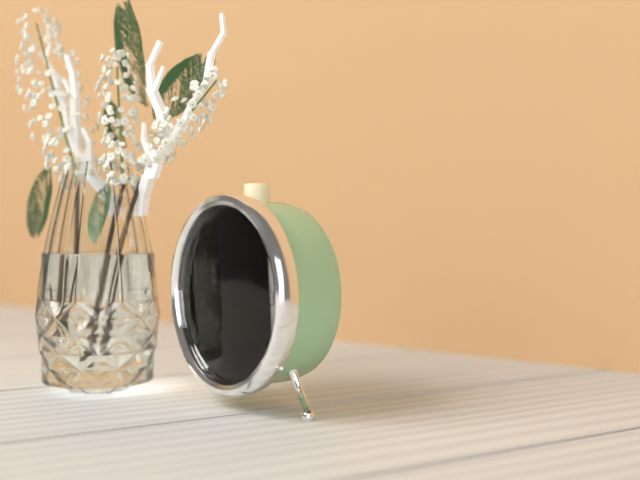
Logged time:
h=8 m=14
